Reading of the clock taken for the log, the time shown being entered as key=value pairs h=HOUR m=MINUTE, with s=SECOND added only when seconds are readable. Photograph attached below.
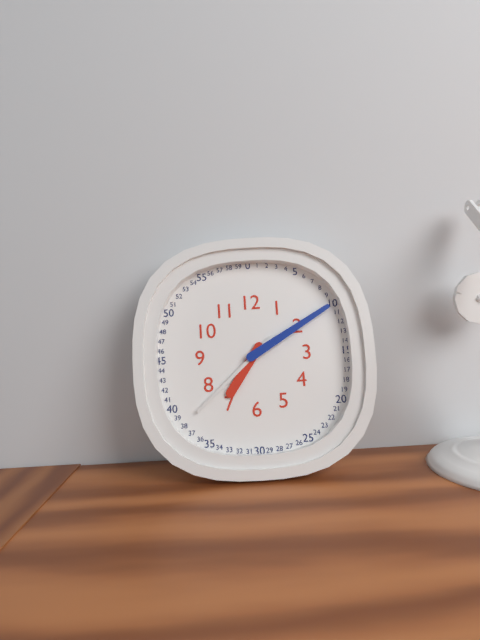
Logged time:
h=7 m=10 s=38
